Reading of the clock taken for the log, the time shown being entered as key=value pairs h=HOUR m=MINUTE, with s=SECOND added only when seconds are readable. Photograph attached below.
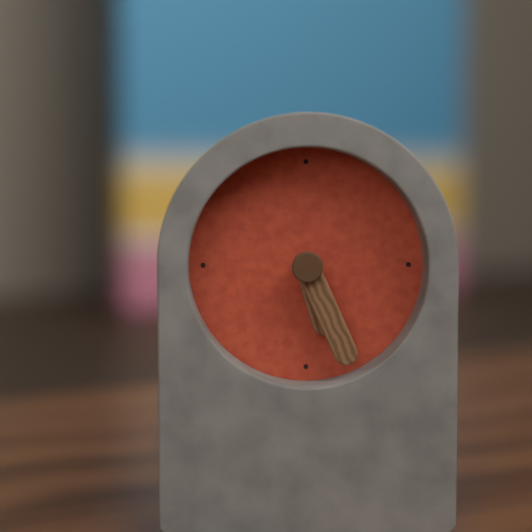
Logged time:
h=5 m=26
